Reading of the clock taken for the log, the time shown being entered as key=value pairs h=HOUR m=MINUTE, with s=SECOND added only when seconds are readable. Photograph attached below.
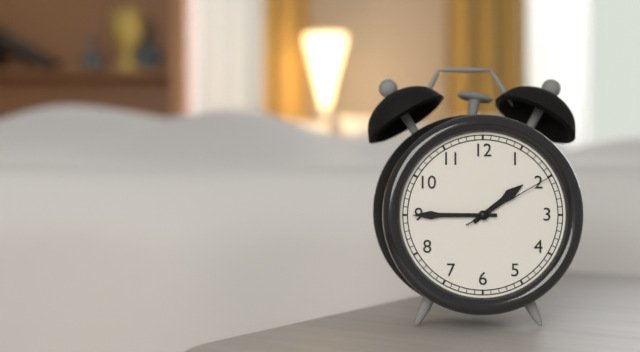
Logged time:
h=1 m=45 s=10
